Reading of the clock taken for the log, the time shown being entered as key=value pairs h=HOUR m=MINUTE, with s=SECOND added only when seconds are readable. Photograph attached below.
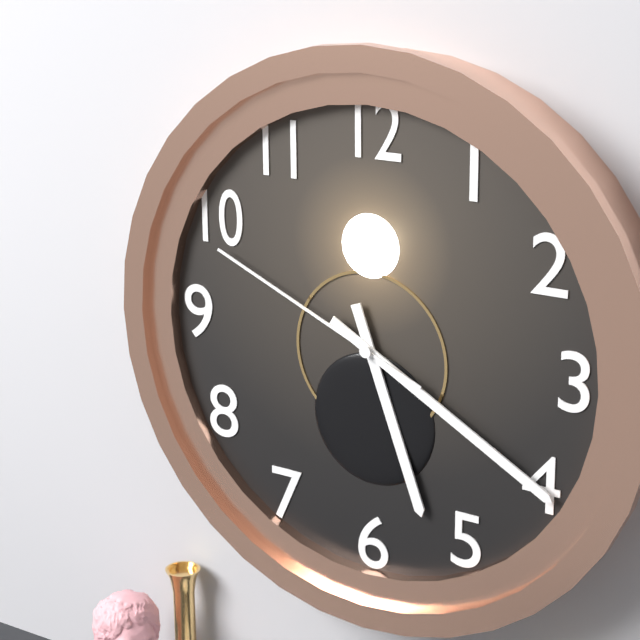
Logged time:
h=5 m=20 s=49
